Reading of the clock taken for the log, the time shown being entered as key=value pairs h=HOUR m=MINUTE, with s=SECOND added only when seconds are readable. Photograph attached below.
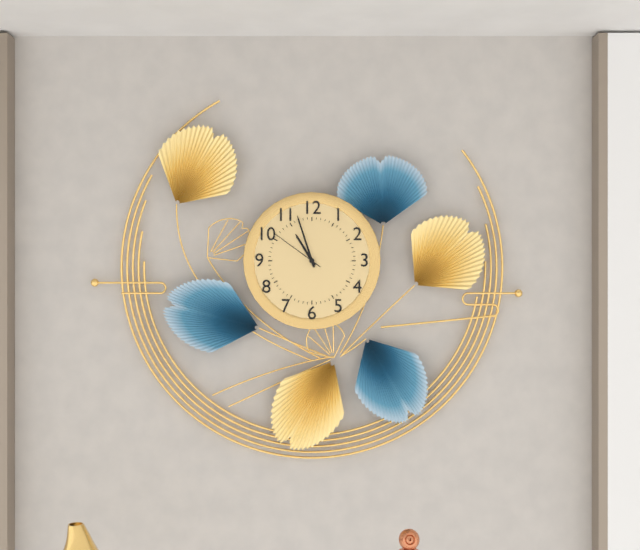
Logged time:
h=10 m=57 s=51
